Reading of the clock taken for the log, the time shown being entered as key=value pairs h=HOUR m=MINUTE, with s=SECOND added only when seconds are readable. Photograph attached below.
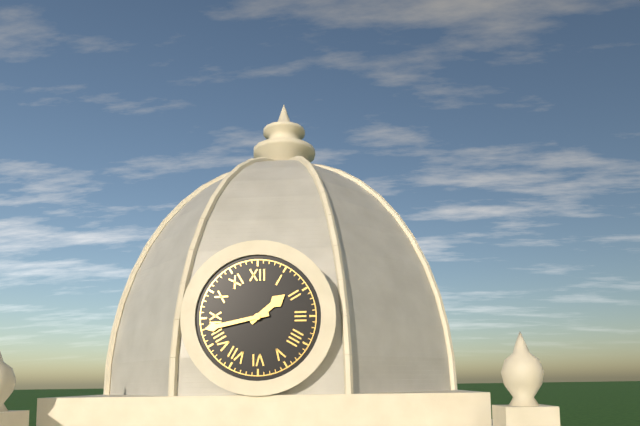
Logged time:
h=1 m=43
